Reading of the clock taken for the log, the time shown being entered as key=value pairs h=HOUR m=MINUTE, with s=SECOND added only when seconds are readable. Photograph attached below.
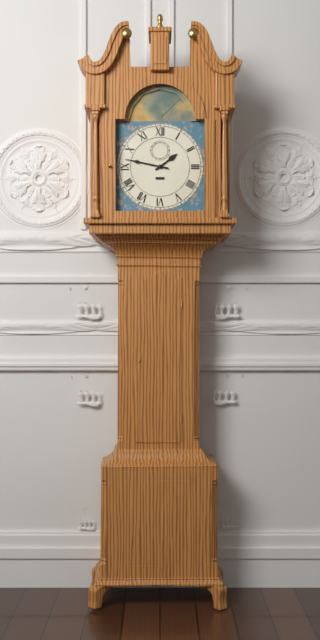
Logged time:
h=1 m=47
